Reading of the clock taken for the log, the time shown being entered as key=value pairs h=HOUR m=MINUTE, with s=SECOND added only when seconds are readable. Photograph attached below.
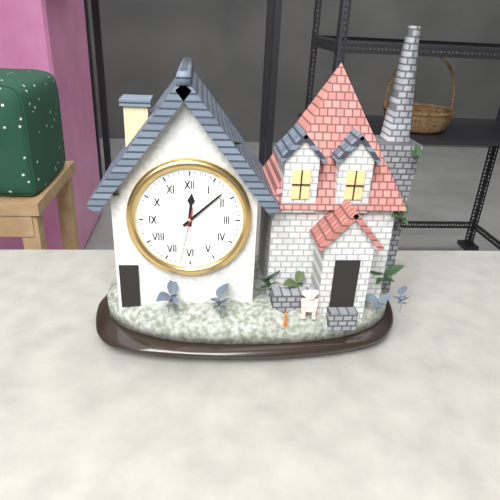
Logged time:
h=12 m=8 s=32
